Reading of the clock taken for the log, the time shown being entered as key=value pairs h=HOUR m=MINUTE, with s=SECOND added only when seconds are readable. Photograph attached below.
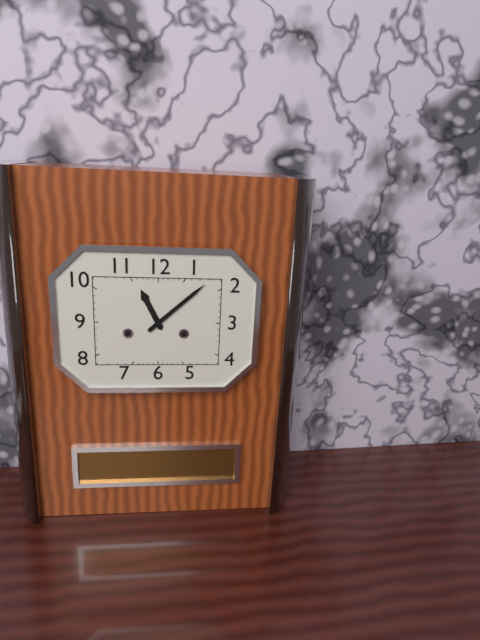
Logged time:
h=11 m=8
